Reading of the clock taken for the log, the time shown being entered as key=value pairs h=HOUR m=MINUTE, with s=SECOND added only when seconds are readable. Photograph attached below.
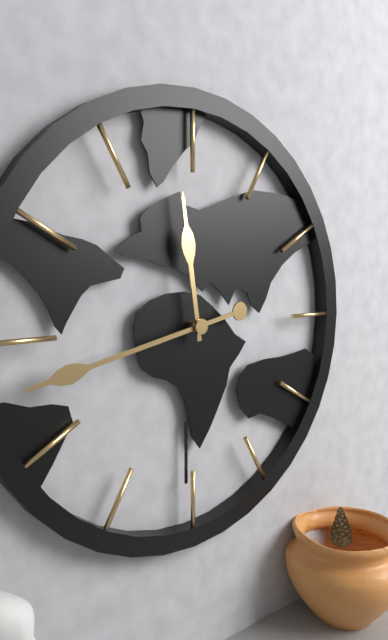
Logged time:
h=11 m=43
